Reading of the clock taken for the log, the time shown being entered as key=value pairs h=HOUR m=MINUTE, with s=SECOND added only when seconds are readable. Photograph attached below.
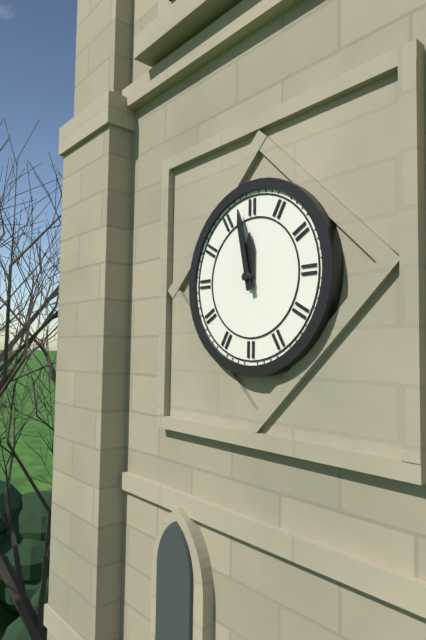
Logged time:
h=11 m=58
